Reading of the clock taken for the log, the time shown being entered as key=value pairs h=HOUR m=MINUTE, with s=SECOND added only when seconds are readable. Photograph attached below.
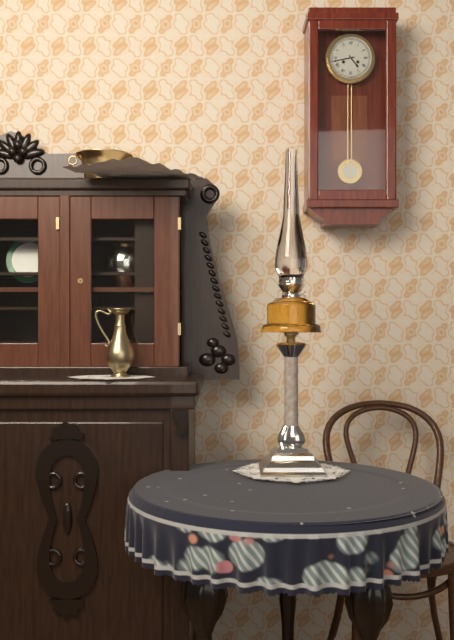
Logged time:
h=4 m=43
